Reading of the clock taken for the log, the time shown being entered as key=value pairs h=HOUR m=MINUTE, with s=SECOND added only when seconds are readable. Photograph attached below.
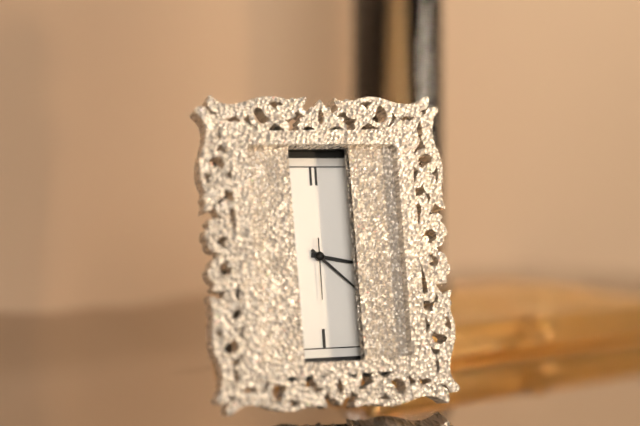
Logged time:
h=3 m=22 s=30
